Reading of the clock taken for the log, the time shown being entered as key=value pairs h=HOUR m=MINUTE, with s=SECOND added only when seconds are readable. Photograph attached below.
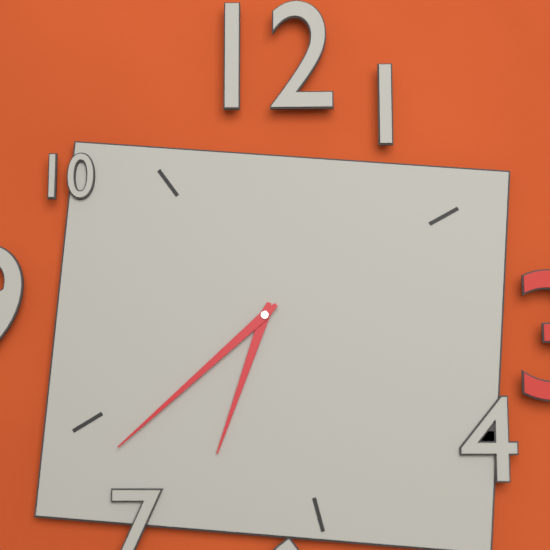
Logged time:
h=6 m=38
